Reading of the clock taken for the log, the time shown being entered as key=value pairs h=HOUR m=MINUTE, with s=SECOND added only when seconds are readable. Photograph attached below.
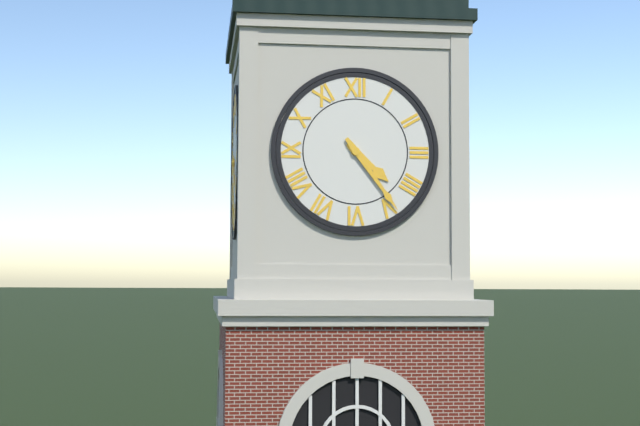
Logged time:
h=4 m=24
